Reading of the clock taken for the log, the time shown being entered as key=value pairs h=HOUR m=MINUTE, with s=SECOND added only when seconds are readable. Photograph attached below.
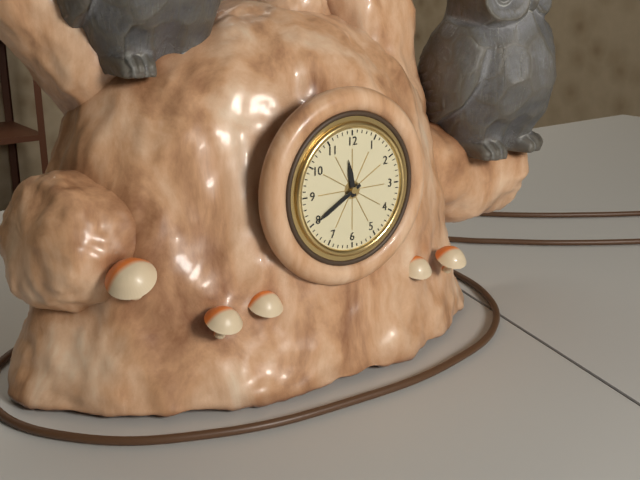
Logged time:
h=11 m=40
